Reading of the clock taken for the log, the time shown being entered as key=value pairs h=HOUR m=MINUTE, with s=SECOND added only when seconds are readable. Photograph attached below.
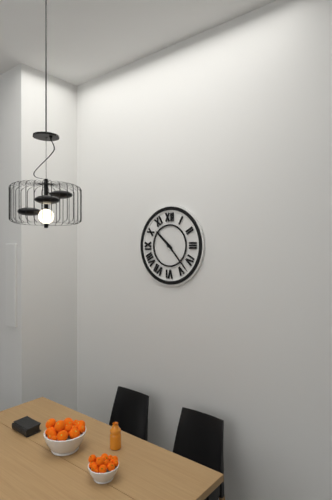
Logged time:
h=10 m=23
